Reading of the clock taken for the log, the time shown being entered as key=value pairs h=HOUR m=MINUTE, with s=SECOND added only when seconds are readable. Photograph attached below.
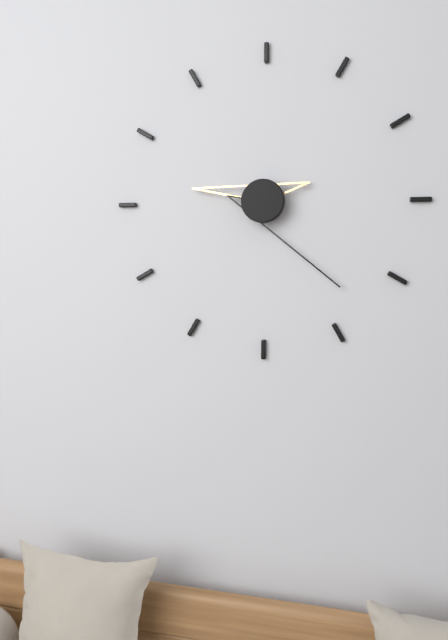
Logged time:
h=9 m=23
